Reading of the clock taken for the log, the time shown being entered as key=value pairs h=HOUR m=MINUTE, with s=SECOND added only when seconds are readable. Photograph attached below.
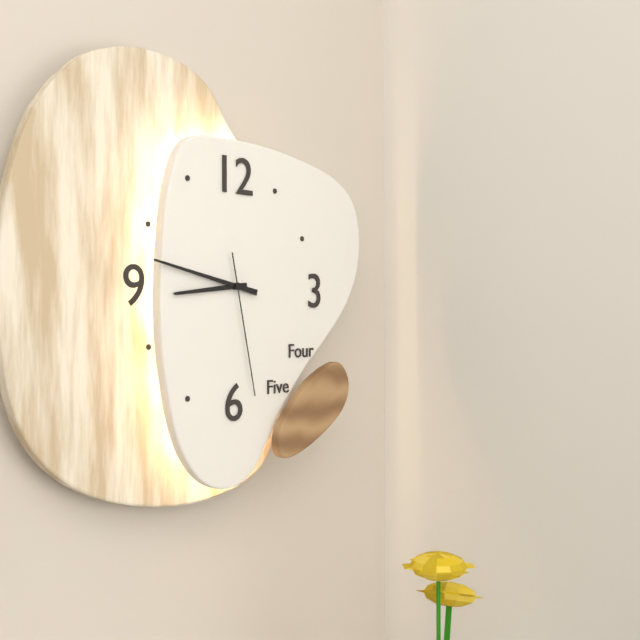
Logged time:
h=8 m=47 s=28
